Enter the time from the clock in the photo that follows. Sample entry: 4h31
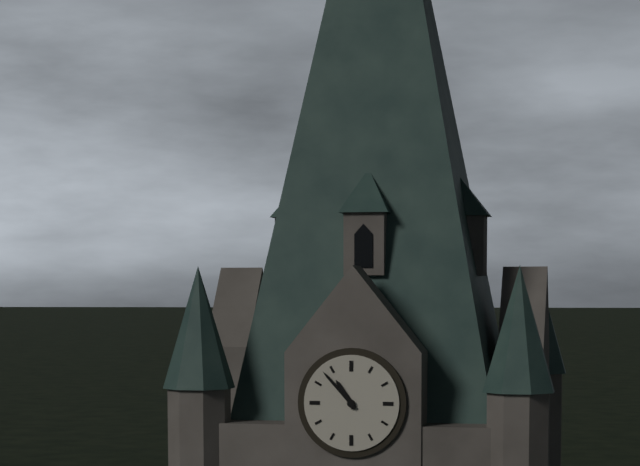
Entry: 10h53
